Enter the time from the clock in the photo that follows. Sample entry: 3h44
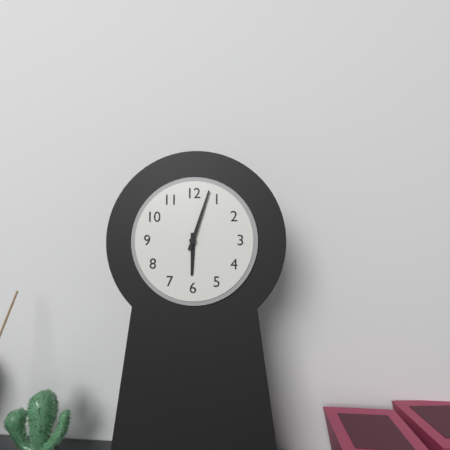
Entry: 6h03
